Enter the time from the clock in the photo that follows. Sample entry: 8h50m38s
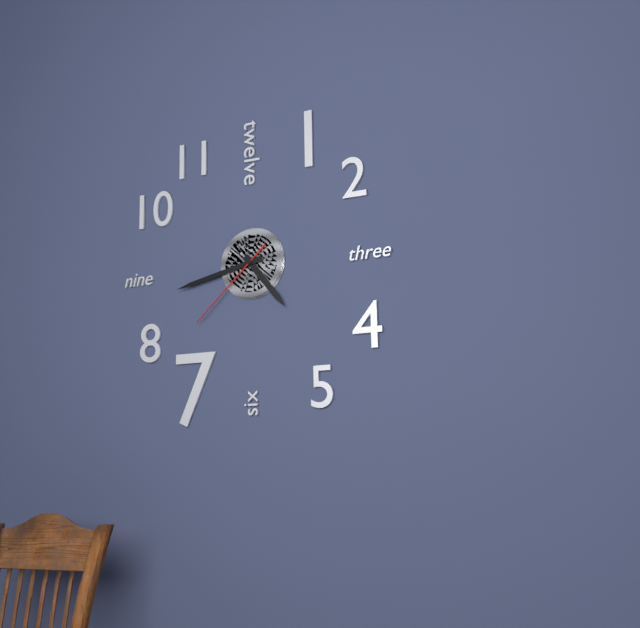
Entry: 4h43m38s
